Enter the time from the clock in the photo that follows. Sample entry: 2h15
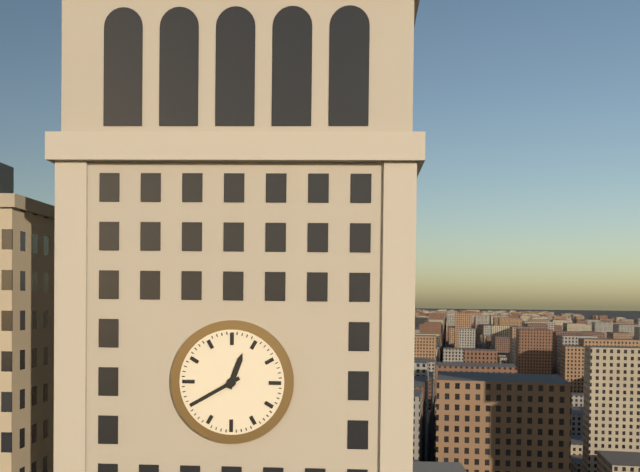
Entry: 12h40
